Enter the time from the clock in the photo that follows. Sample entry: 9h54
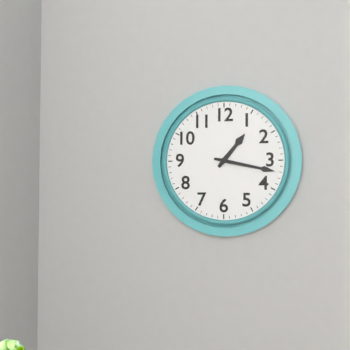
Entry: 1h17
